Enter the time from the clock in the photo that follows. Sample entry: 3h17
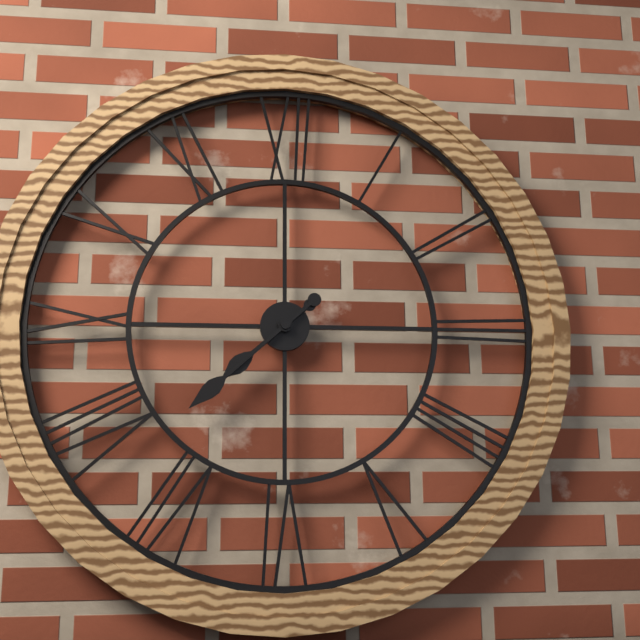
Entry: 7h38
